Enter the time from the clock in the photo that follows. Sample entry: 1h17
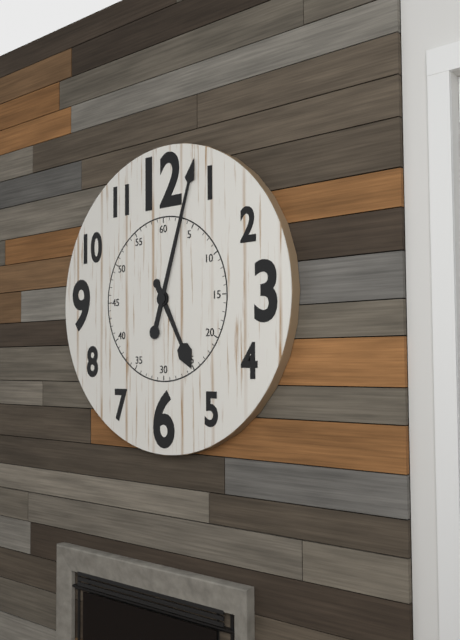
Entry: 5h03
